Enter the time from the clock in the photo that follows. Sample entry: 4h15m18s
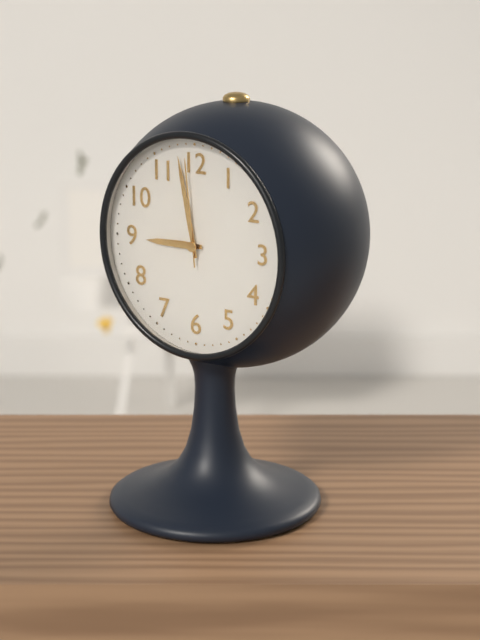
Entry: 8h58m59s
